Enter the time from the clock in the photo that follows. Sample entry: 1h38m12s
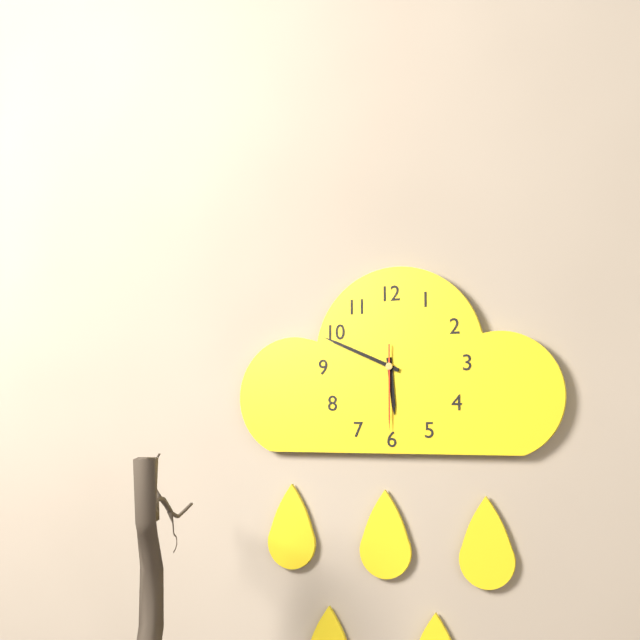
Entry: 5h49m30s
